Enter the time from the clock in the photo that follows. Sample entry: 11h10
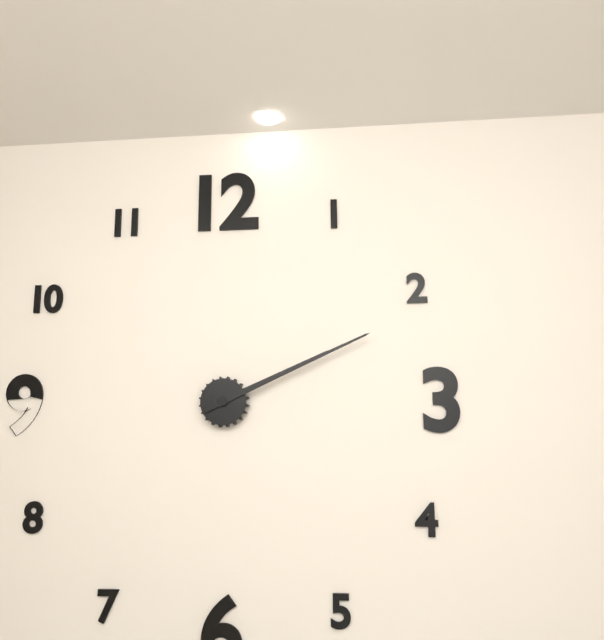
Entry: 2h11
